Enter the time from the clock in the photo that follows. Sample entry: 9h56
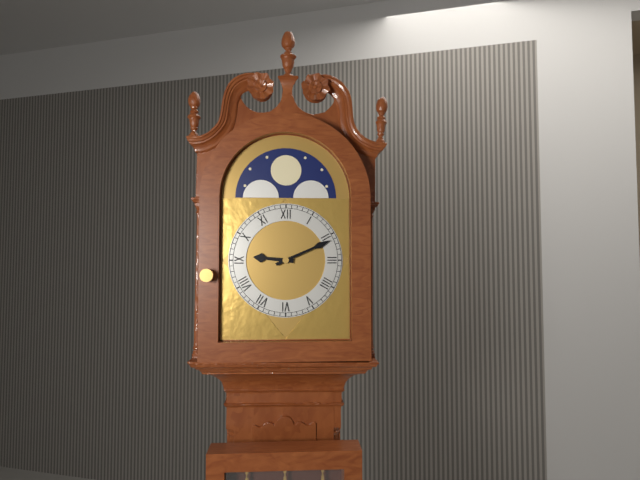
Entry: 9h11
